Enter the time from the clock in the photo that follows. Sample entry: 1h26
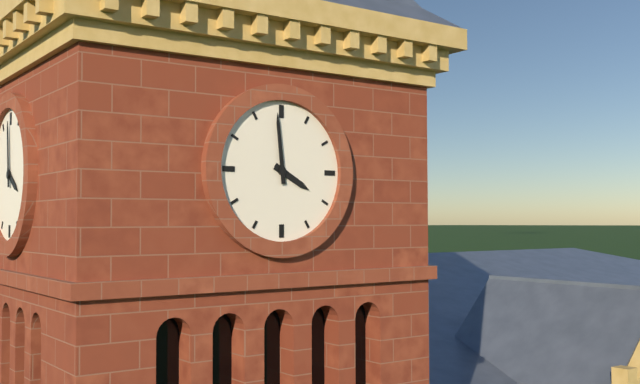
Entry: 3h59
